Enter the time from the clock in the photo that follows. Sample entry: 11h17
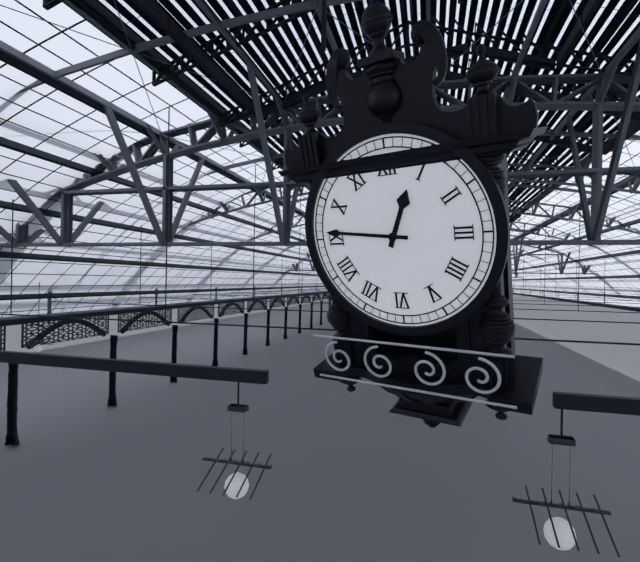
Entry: 12h46
